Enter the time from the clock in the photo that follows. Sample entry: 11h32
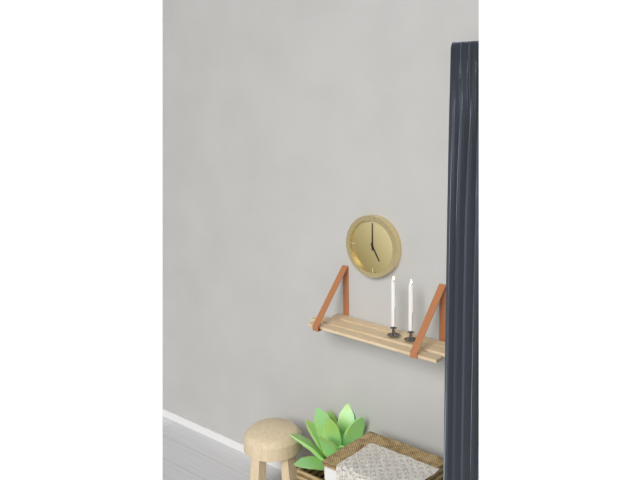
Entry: 5h00
